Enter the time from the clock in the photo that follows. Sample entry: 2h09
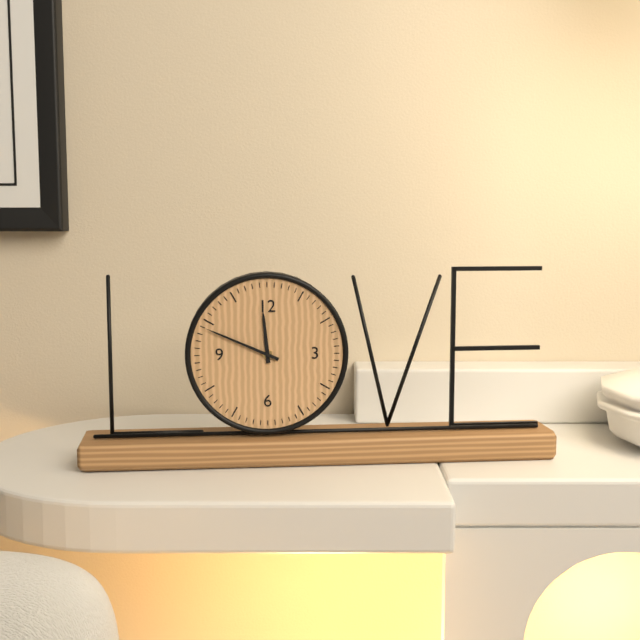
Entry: 11h49
